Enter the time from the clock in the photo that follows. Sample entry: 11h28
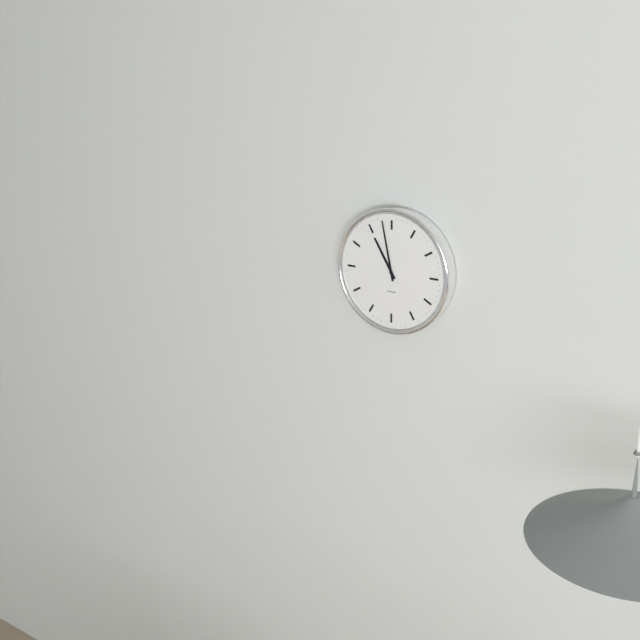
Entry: 10h58
